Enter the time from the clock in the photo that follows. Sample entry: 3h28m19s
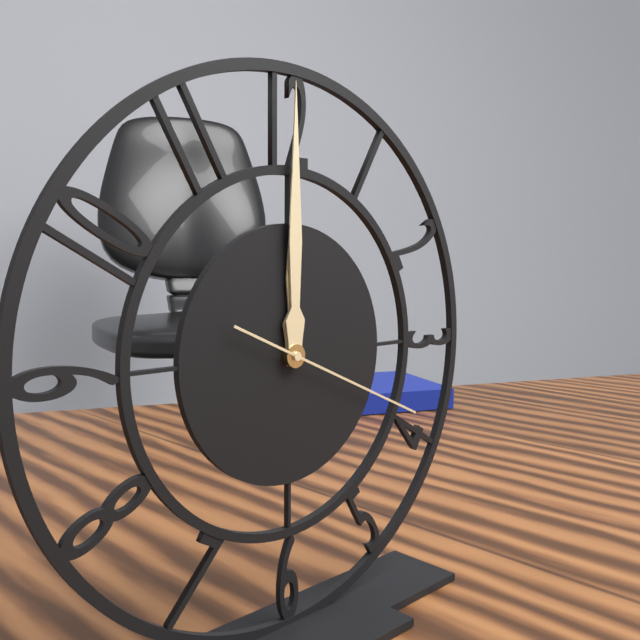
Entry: 12h00m19s
